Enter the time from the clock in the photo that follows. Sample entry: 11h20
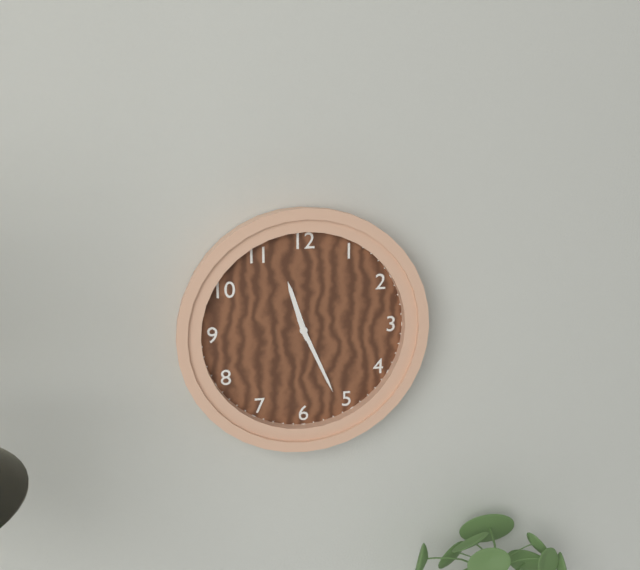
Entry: 11h26
